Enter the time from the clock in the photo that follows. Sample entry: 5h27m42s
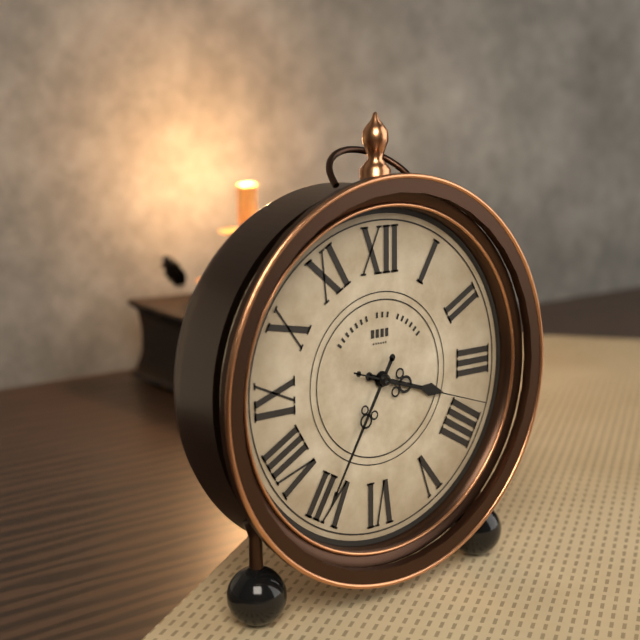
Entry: 3h35m18s
